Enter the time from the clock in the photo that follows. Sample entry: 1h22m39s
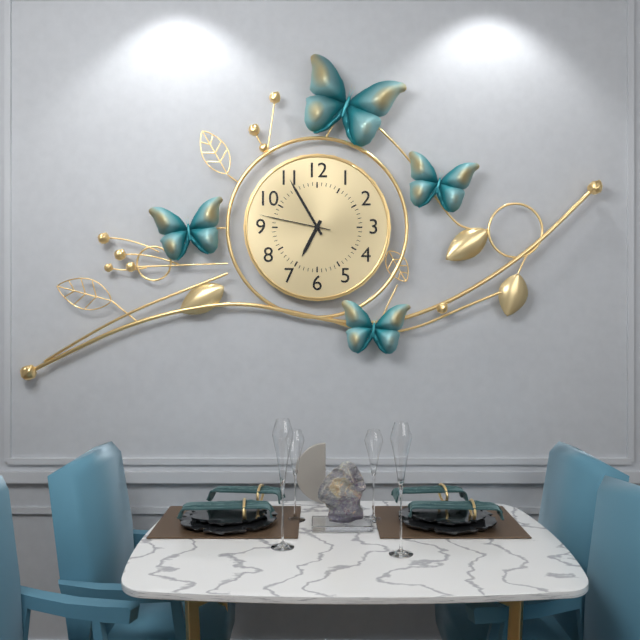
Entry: 6h55m47s
